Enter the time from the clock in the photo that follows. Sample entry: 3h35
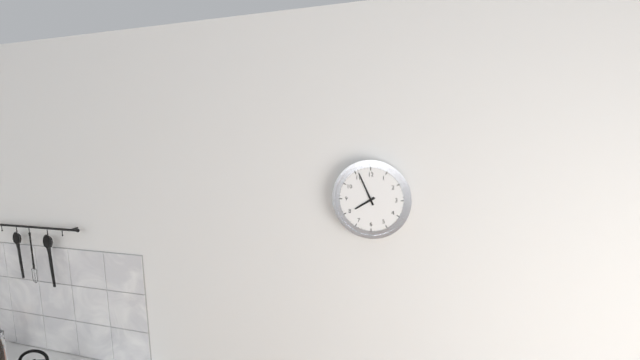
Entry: 7h56
